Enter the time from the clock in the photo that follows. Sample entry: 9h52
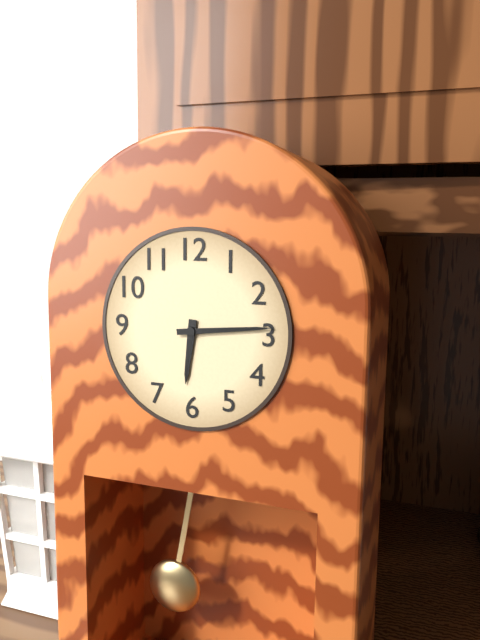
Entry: 6h14
